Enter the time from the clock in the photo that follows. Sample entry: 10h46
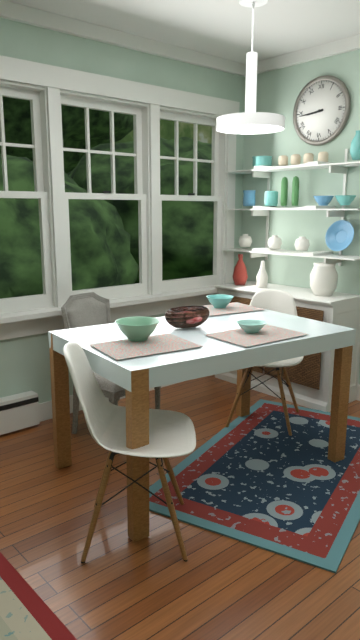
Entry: 8h44
